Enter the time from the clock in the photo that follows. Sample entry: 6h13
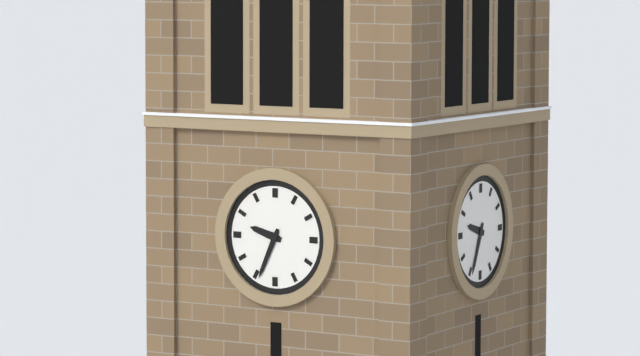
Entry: 9h34
